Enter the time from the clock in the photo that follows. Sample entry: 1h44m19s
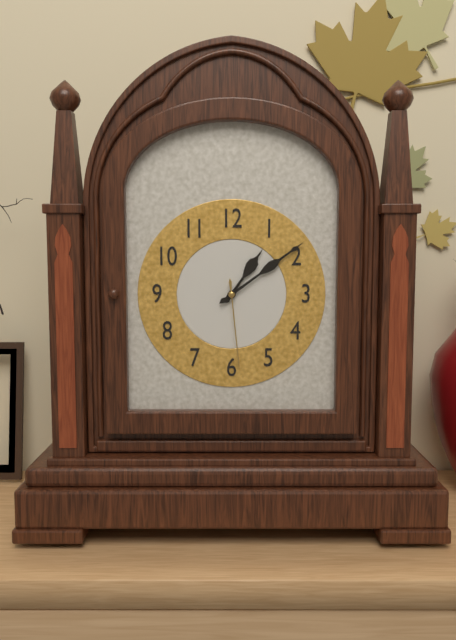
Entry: 1h09m29s
